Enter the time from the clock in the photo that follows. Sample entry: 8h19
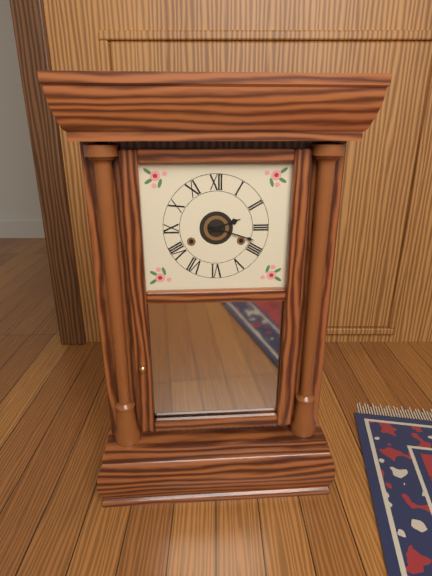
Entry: 2h18
